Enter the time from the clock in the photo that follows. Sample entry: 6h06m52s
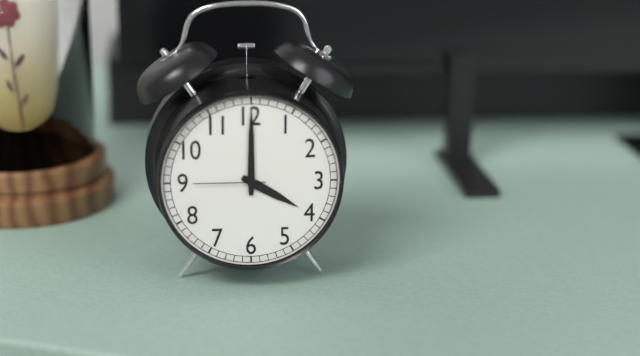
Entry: 4h00m45s
